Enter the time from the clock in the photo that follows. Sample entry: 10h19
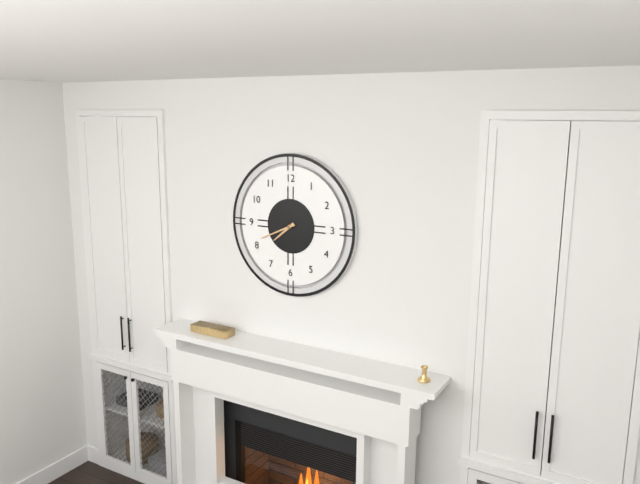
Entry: 7h41
